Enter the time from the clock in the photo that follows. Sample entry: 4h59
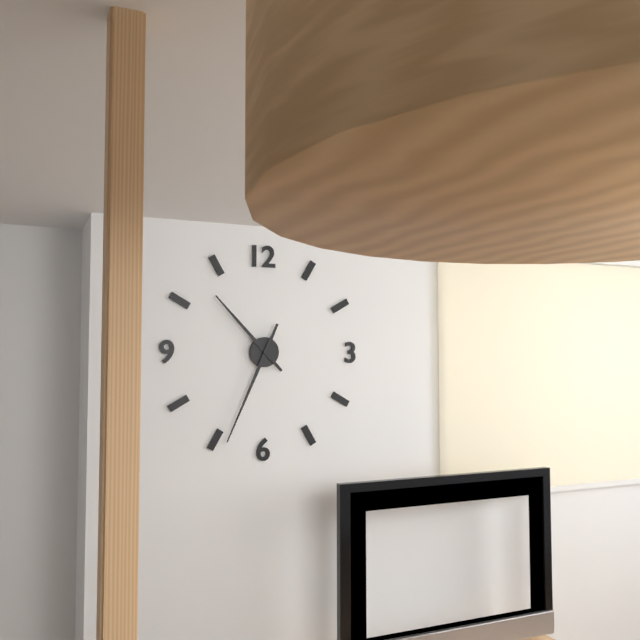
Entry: 10h34
